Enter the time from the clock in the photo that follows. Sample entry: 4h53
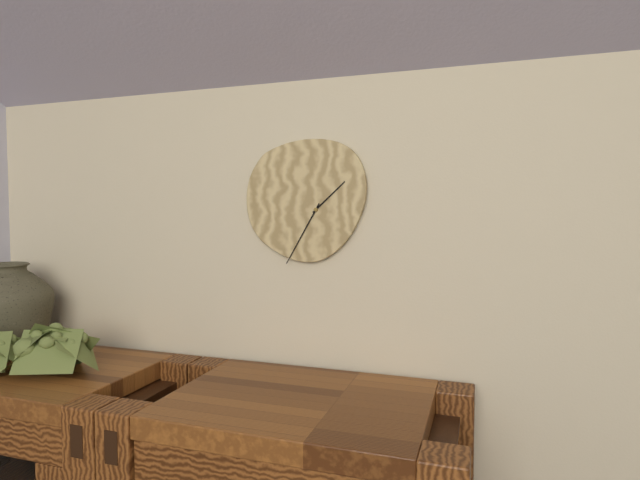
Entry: 1h35
